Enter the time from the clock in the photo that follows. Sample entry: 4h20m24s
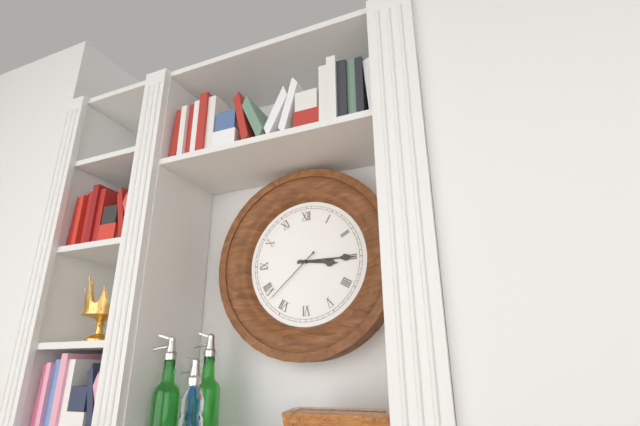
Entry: 3h15m38s
